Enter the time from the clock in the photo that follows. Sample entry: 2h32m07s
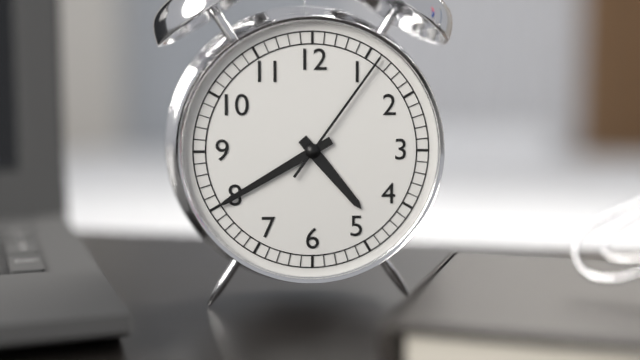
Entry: 4h40m06s
